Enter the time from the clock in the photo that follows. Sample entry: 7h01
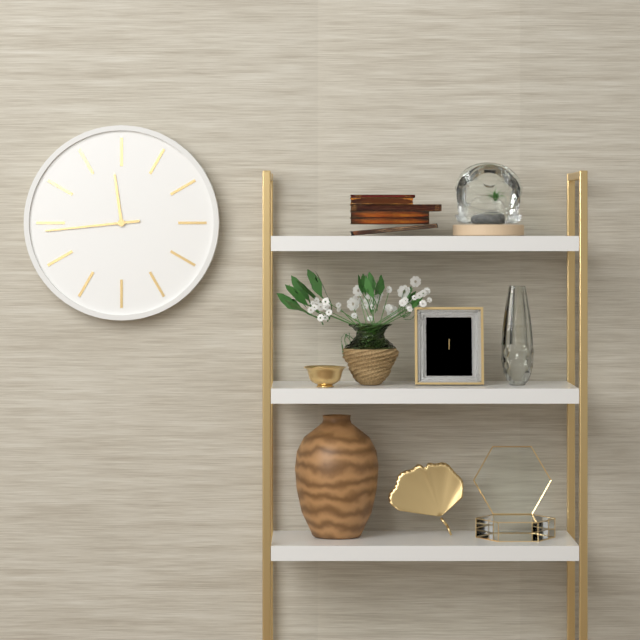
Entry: 11h44
